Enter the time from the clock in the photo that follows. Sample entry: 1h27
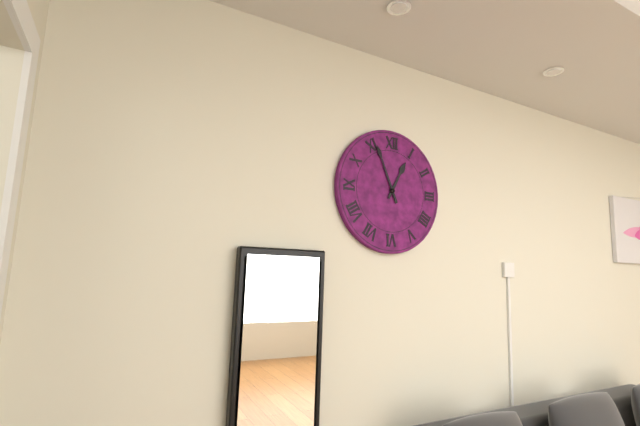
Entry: 12h56
